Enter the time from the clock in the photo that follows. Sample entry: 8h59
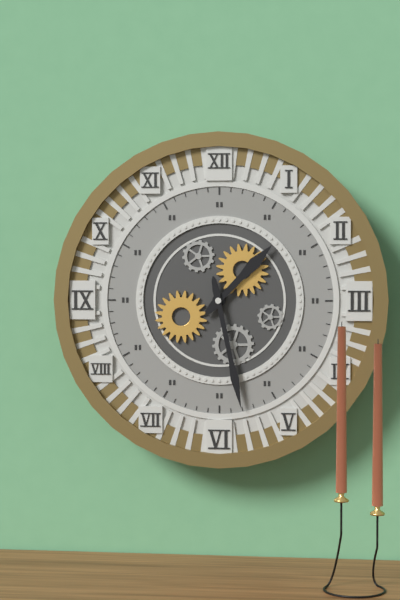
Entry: 1h28
